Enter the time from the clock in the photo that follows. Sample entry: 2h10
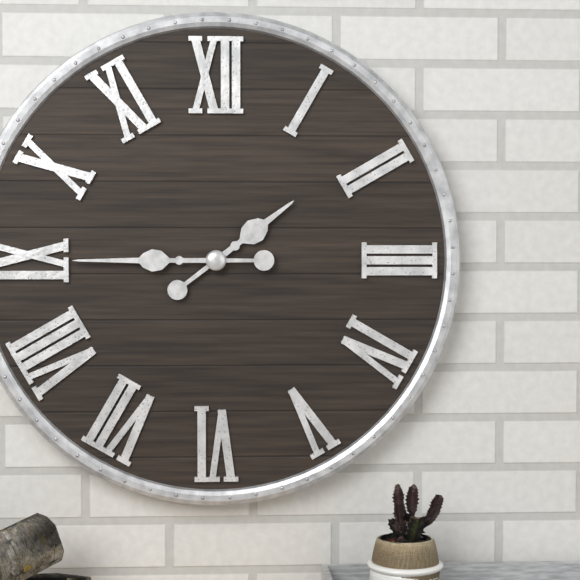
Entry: 1h45
